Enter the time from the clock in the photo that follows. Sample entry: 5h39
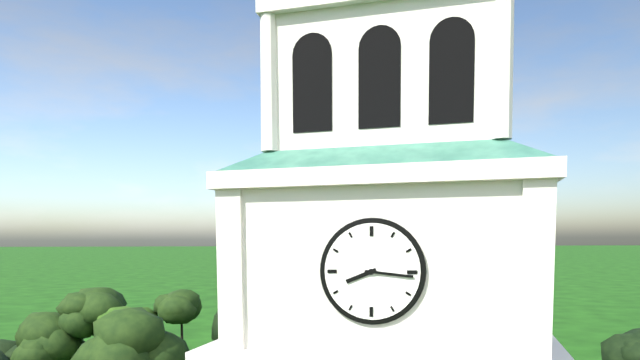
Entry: 8h16
